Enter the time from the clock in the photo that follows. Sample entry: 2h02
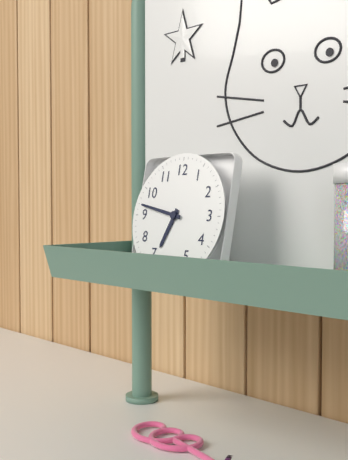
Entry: 6h47
